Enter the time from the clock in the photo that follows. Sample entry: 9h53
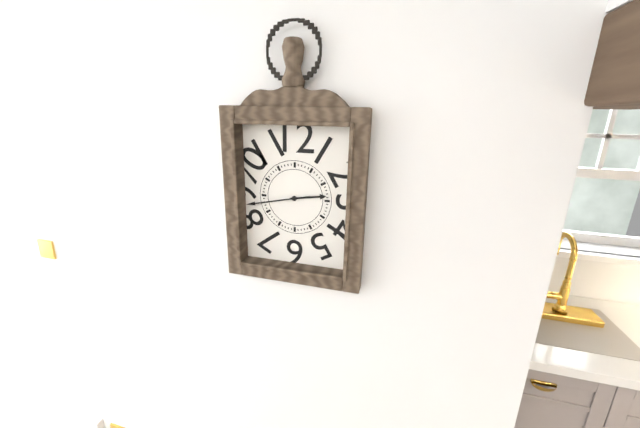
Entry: 2h43
